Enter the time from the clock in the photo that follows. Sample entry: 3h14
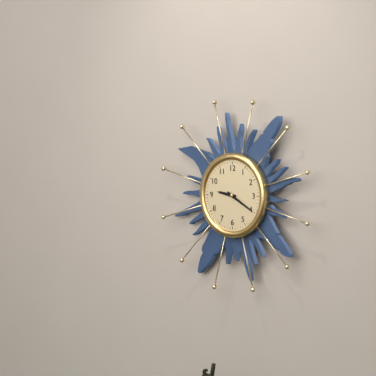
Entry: 9h20
